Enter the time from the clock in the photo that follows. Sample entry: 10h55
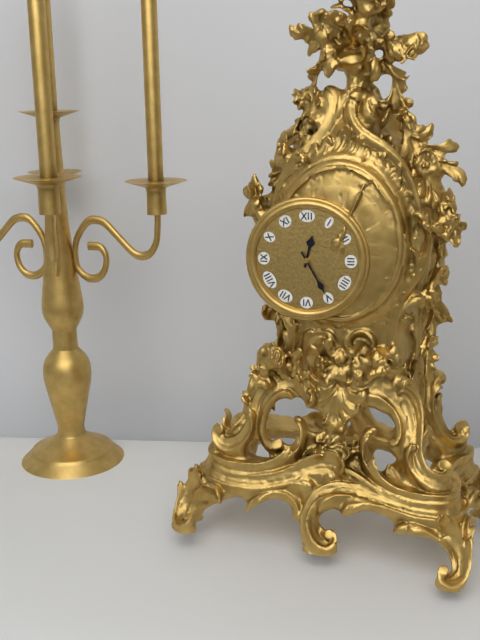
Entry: 12h25
